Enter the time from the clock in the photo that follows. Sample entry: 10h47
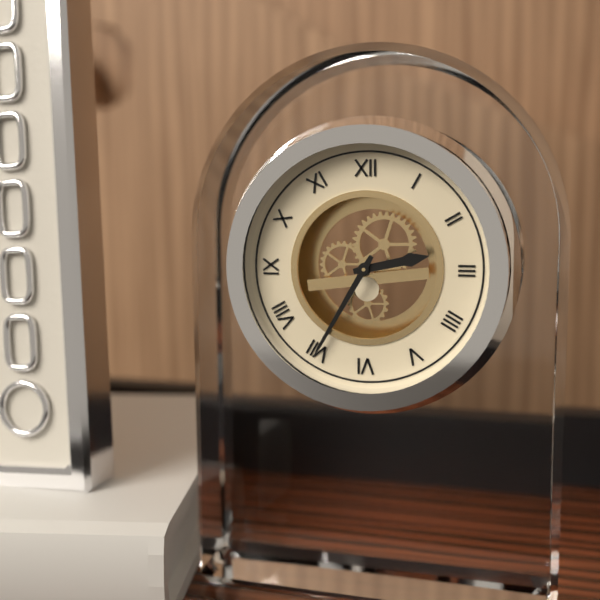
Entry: 2h35
